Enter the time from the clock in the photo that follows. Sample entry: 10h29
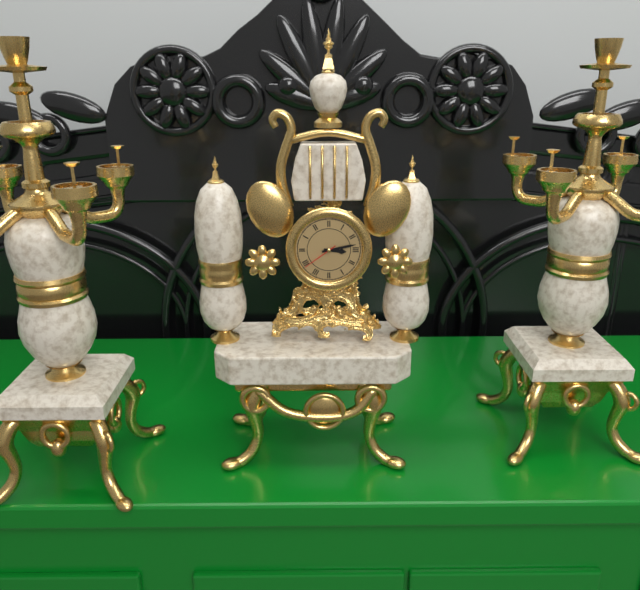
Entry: 3h13
